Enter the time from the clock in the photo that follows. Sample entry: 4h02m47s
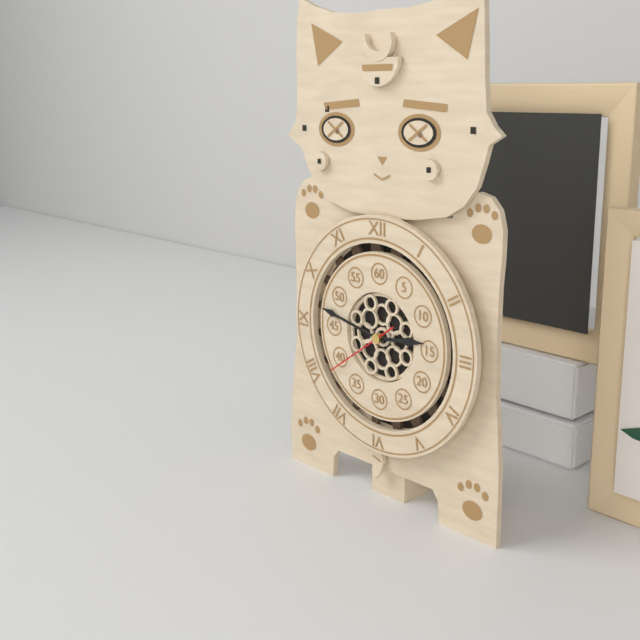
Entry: 2h47m39s
